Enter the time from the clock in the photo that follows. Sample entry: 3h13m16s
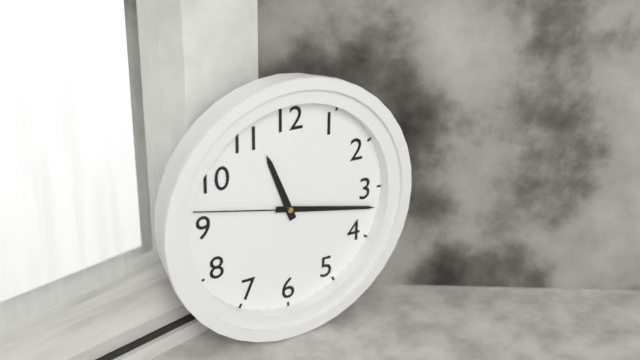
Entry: 11h17m47s
